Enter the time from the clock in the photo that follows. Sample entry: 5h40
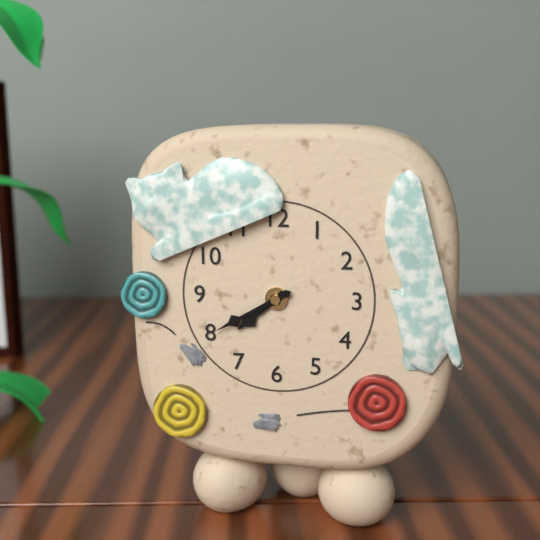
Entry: 7h40
